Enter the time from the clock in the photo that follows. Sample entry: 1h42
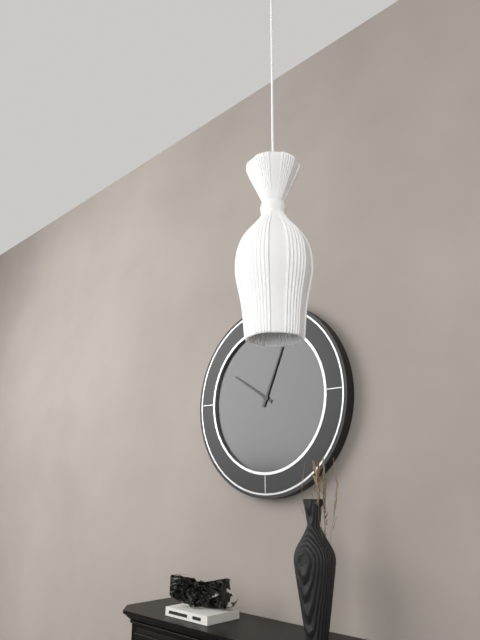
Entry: 10h04
